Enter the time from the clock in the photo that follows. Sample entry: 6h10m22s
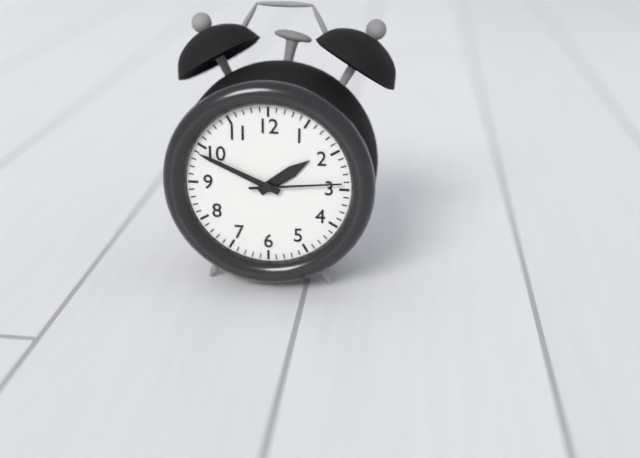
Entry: 1h49m14s
